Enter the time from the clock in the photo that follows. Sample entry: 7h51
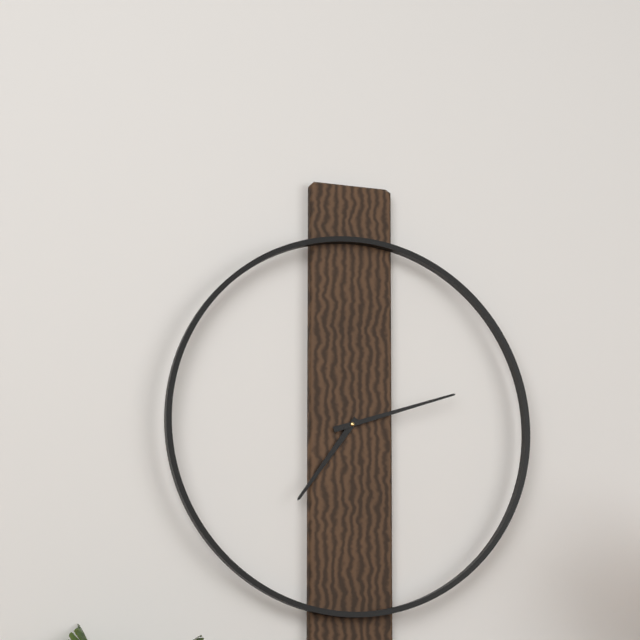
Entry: 7h12
